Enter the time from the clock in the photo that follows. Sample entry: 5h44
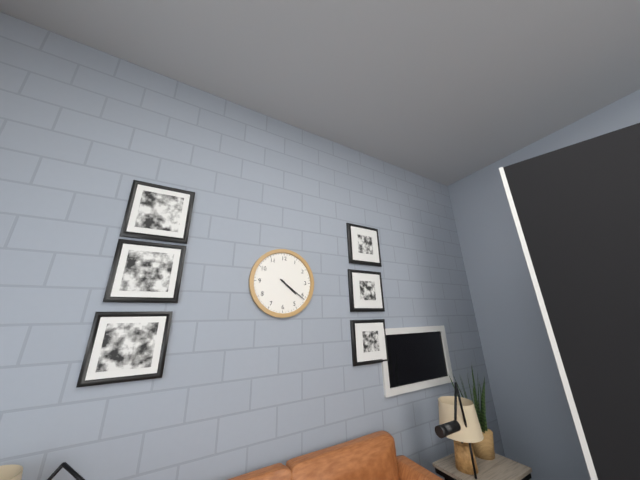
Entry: 4h21
